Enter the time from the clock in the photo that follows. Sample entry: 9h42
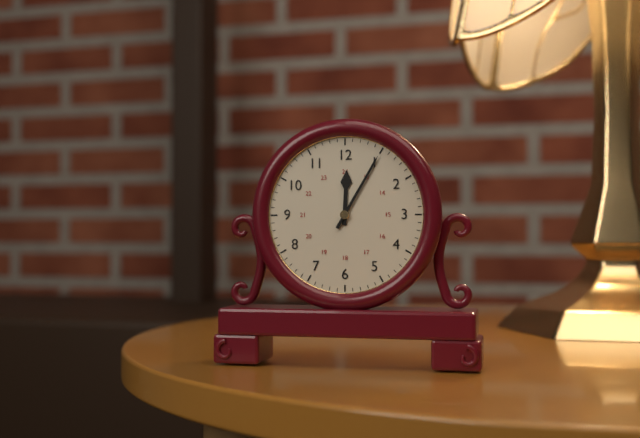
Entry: 12h05
